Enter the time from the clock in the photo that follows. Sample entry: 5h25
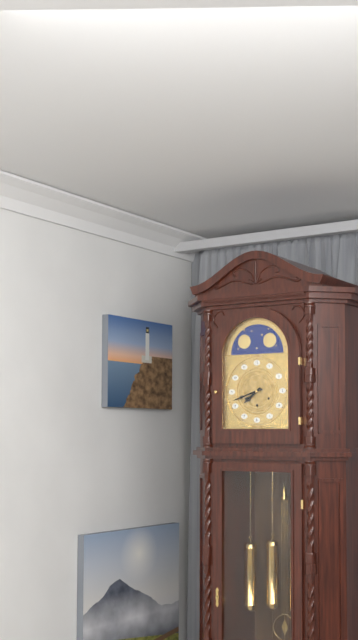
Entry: 7h42
